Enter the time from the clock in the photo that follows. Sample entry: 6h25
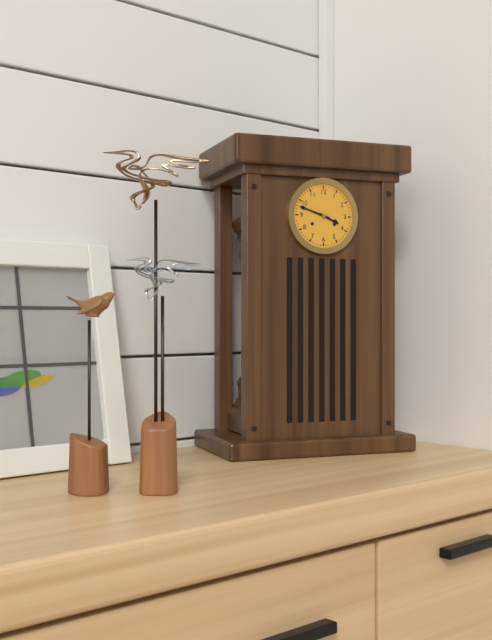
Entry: 3h48
